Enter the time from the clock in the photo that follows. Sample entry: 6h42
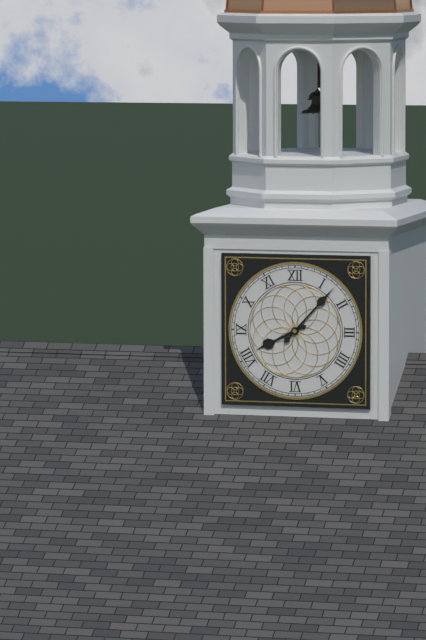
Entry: 8h07
